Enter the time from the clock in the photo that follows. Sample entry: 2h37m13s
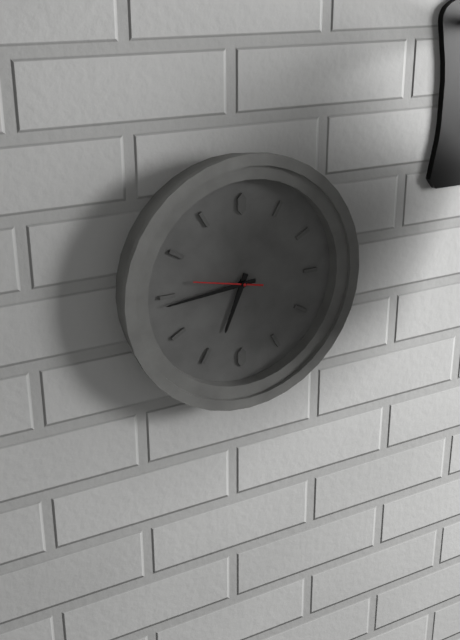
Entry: 6h44m47s
